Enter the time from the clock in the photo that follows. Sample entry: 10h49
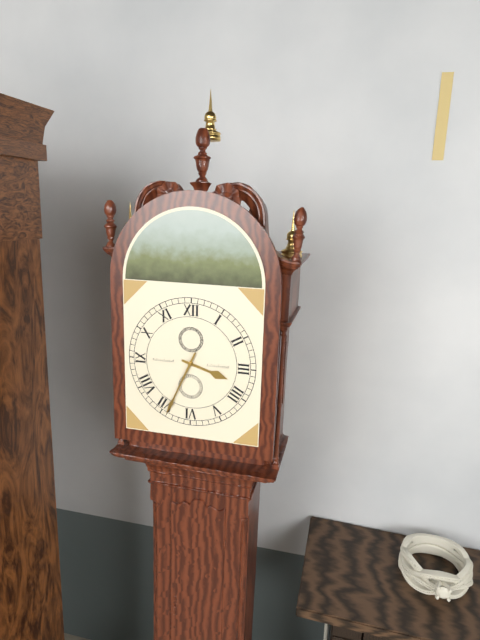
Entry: 3h34
